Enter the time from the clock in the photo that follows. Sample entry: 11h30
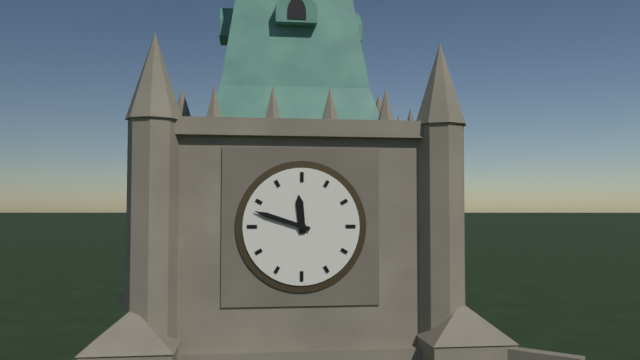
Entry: 11h48
